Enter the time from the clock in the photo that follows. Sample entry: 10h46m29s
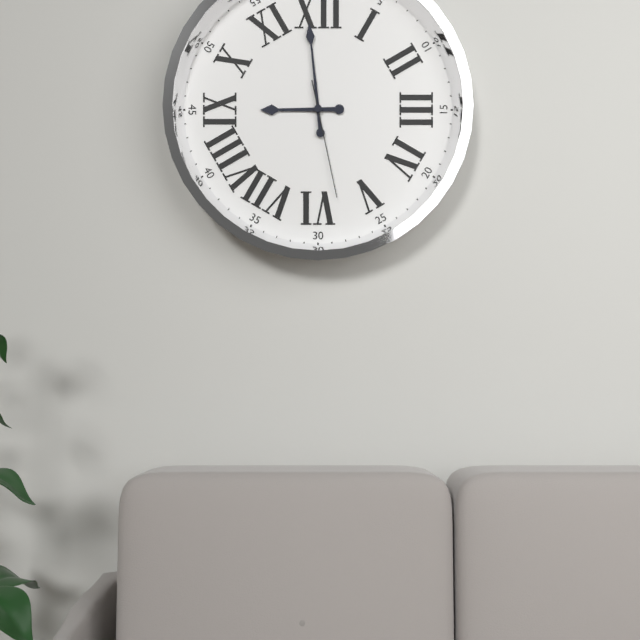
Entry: 8h59m28s
